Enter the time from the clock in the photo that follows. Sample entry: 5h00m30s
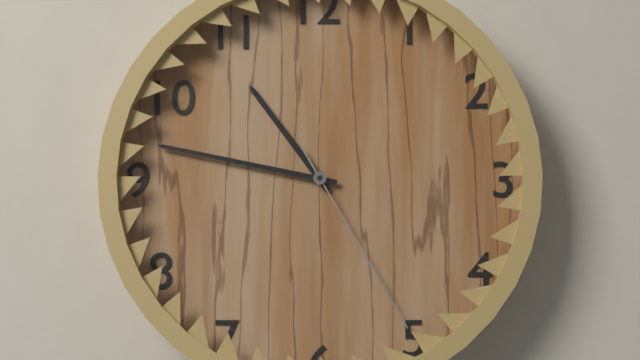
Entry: 10h47m25s
